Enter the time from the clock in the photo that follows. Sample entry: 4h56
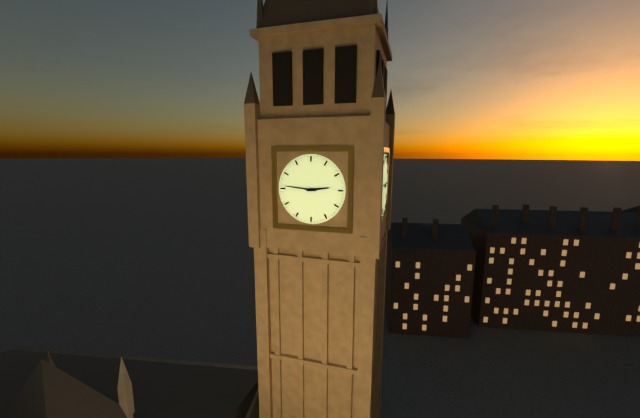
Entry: 2h46
